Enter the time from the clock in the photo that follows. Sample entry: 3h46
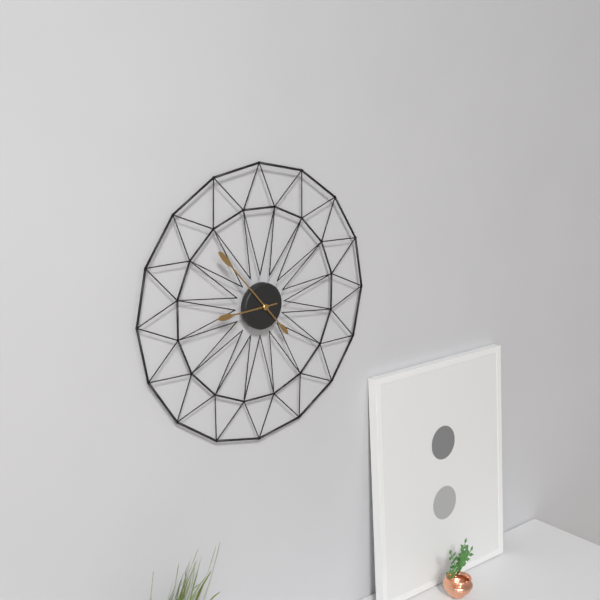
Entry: 8h53
